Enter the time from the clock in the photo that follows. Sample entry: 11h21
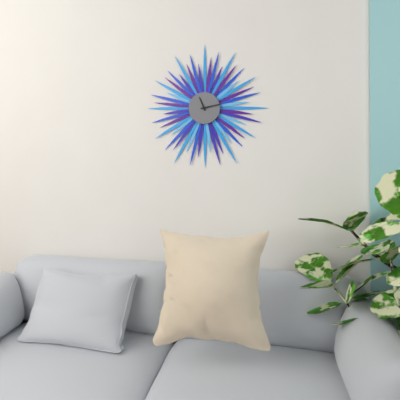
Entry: 11h13
